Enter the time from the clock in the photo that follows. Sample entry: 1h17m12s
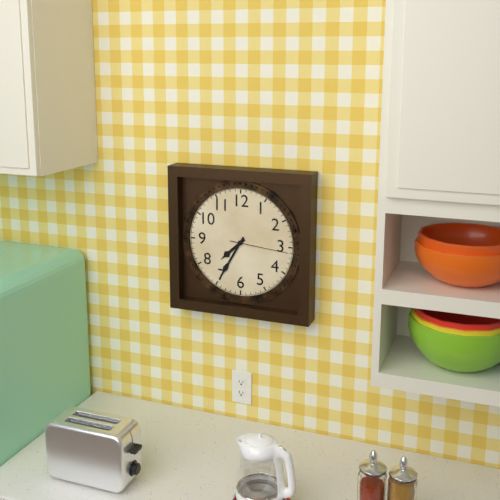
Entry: 7h35m16s
